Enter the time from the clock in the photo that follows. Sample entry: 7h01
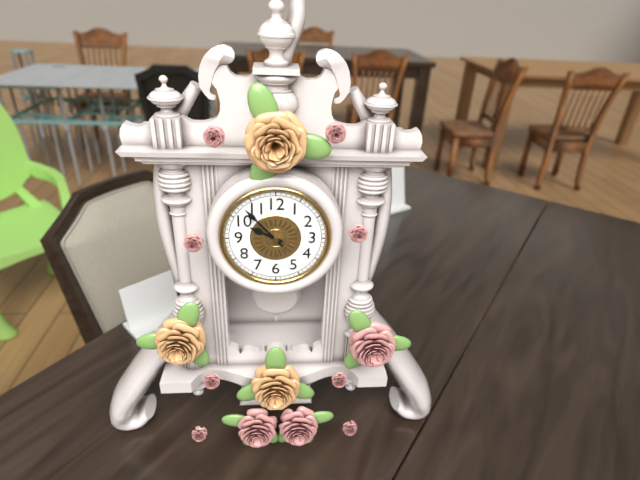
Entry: 9h53
